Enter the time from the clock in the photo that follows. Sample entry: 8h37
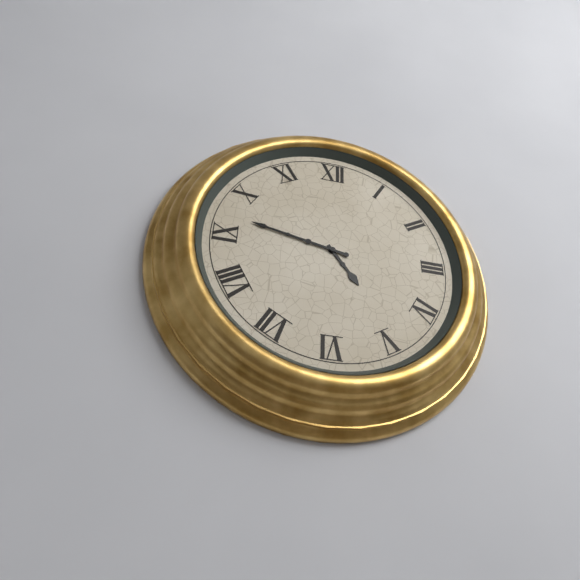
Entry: 4h47
